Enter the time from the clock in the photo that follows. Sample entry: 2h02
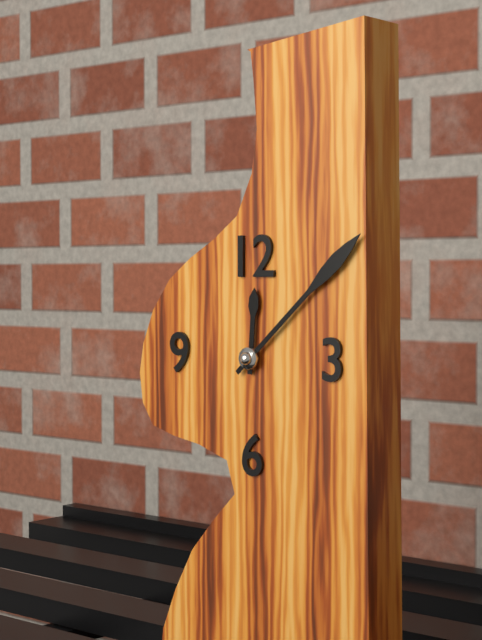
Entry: 12h08
